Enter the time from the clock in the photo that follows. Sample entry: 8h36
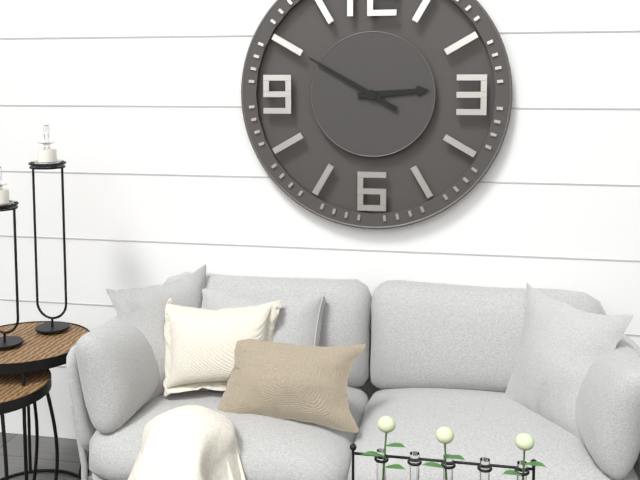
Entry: 2h50
